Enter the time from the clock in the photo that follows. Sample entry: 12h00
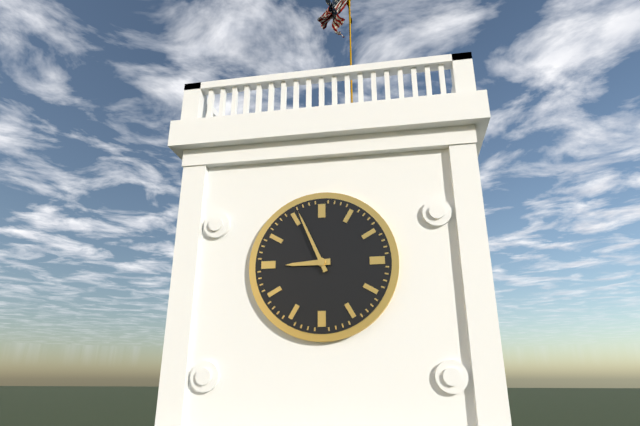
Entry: 8h56
